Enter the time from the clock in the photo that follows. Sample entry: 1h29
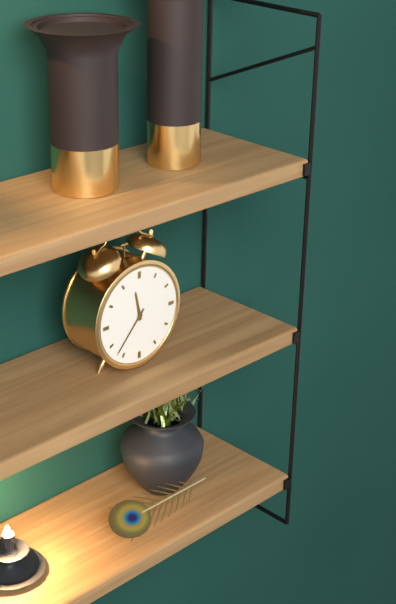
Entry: 11h37
